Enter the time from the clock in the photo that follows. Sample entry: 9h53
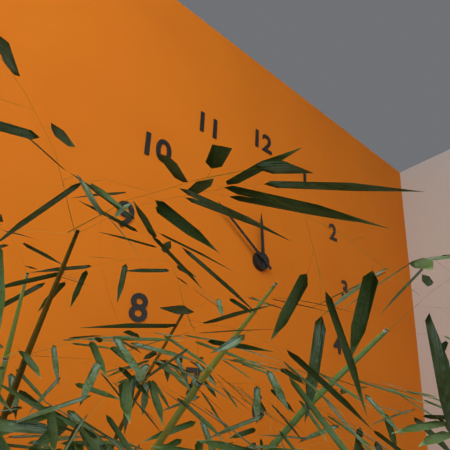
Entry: 11h51
